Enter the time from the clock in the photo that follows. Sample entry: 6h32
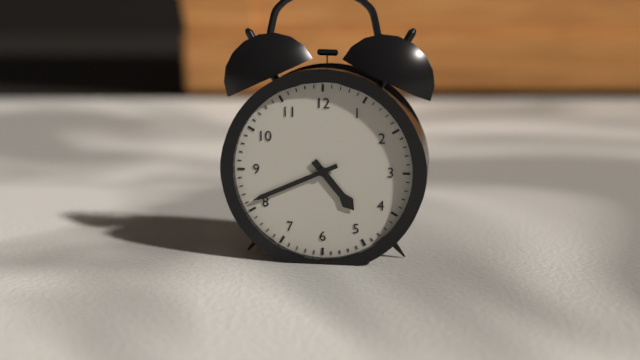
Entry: 4h41
